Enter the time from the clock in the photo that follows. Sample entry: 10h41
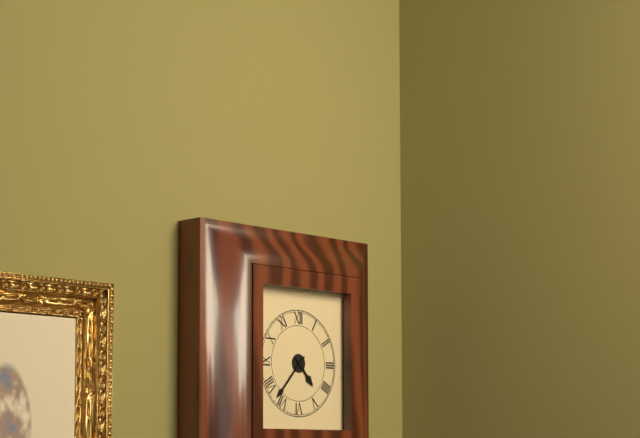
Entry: 4h37
